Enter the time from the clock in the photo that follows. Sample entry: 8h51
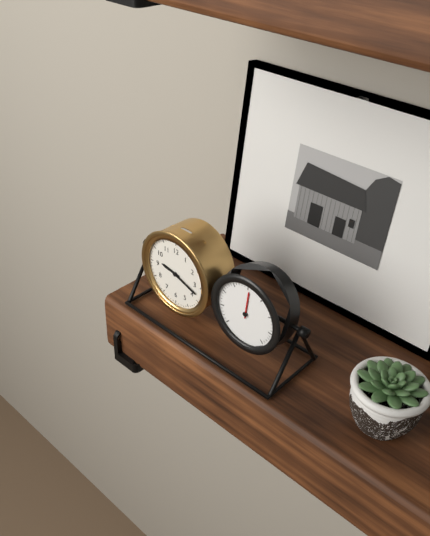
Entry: 9h18
